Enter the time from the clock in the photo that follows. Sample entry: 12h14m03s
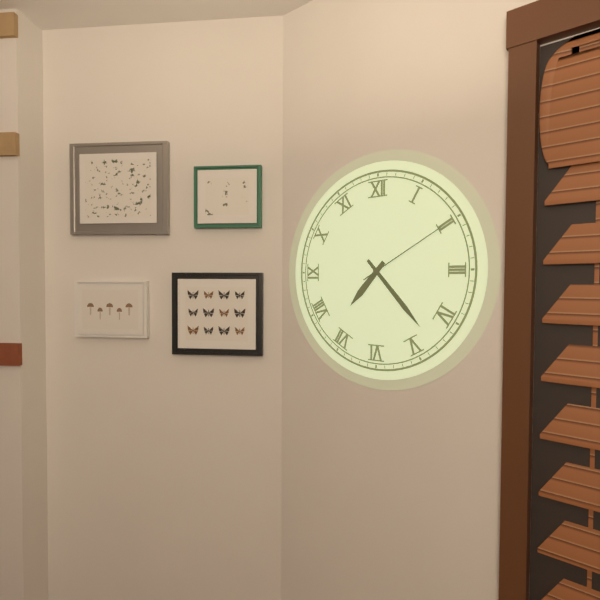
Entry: 7h23m10s
